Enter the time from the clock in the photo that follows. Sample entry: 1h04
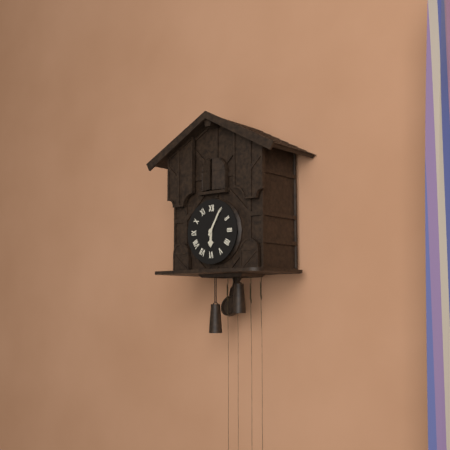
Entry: 6h05
